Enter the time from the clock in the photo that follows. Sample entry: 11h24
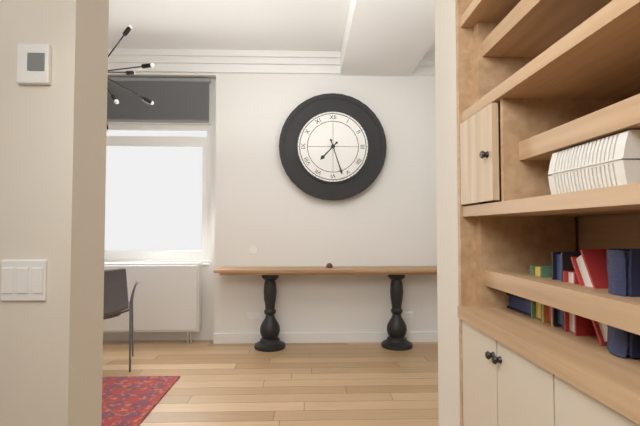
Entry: 7h27
